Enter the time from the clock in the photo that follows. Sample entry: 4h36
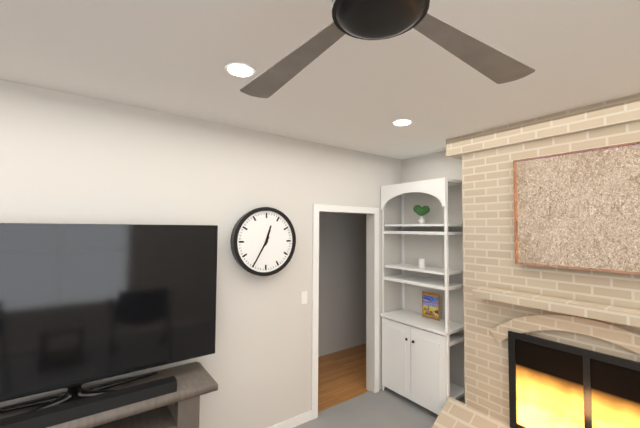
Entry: 12h35
